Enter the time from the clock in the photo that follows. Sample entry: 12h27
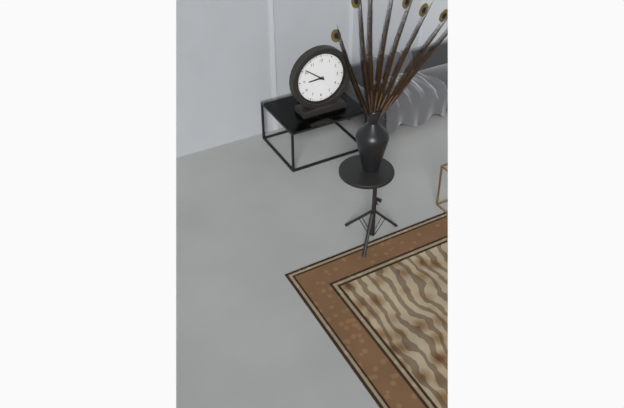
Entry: 8h51
